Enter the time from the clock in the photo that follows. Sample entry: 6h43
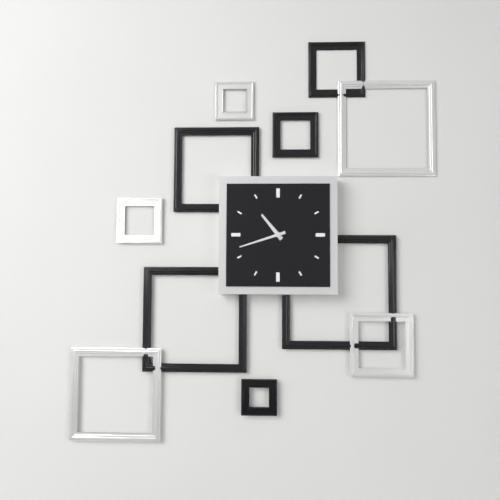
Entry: 10h42
